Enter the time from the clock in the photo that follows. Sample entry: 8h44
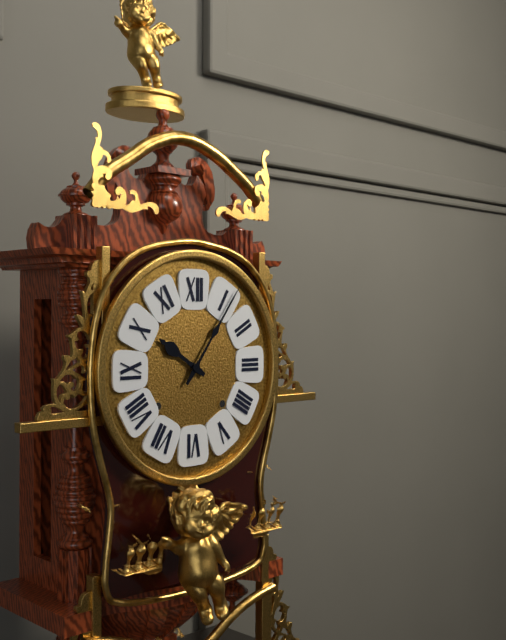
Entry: 10h06
